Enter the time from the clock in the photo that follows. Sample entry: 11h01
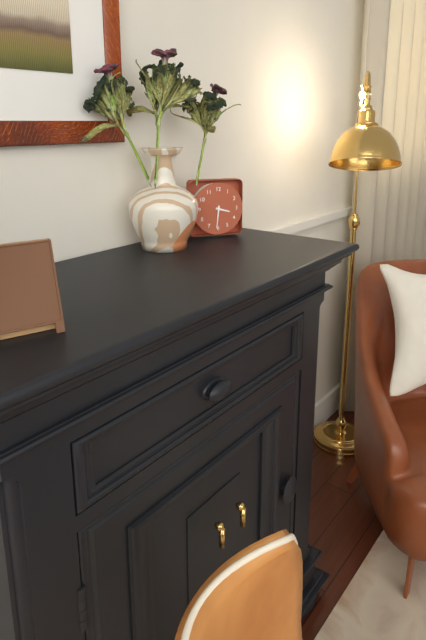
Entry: 3h31
